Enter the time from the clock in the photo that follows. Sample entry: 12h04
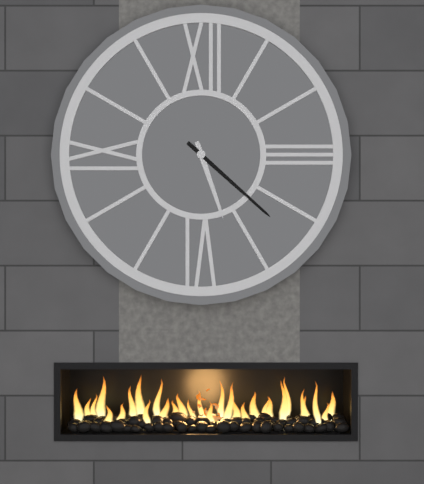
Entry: 5h22
